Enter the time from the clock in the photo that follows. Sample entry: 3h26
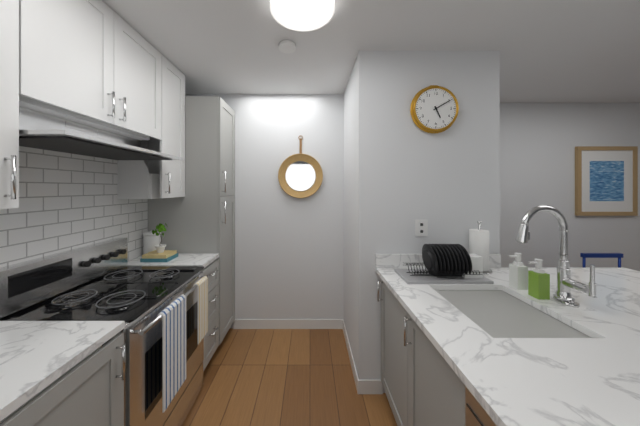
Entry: 5h10
